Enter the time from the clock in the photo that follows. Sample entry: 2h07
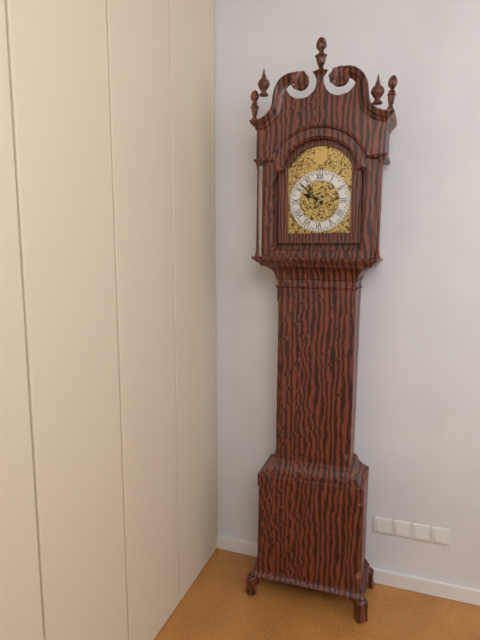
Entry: 9h52
